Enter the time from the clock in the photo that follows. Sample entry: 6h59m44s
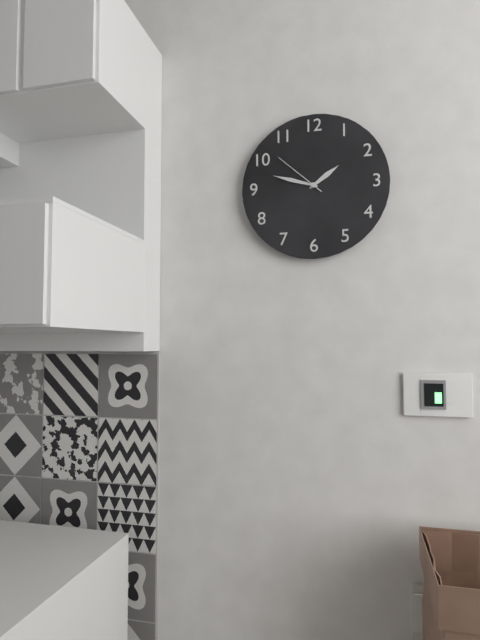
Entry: 1h48m52s
